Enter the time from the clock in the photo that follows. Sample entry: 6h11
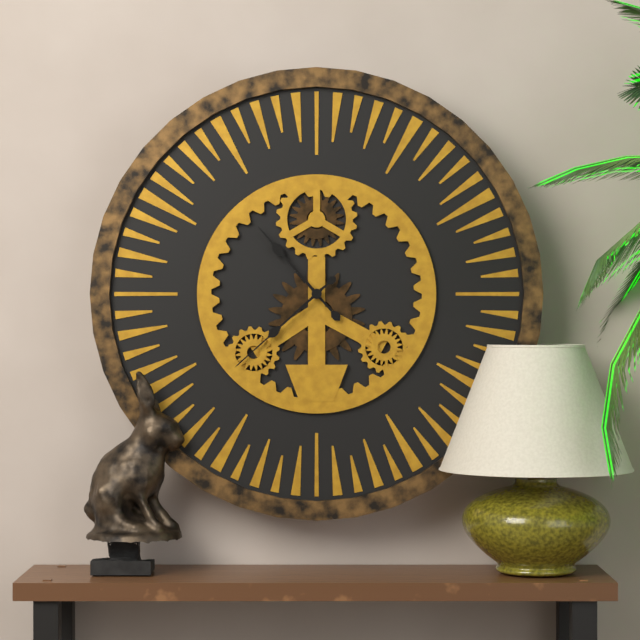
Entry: 10h38
